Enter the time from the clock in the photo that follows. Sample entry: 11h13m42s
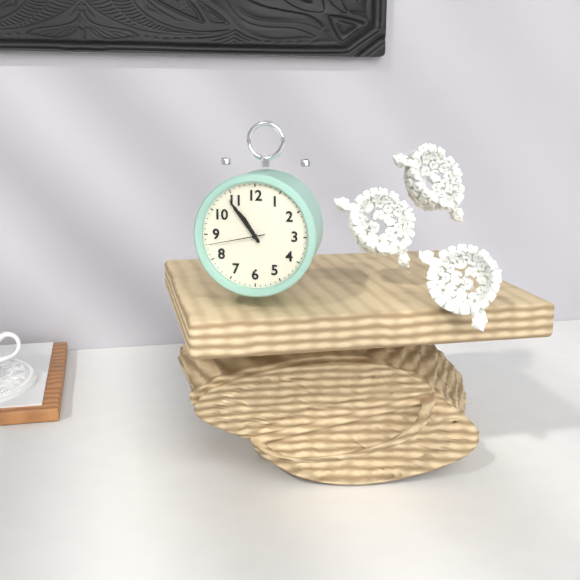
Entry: 10h54m43s
